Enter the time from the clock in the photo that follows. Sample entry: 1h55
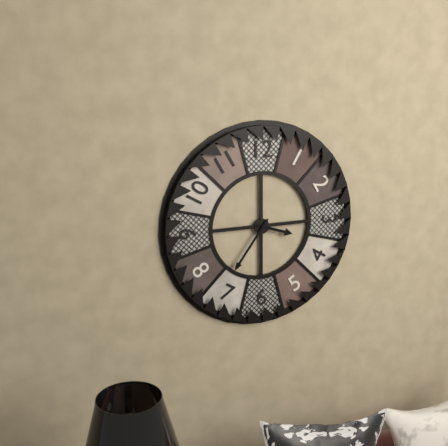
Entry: 3h36
